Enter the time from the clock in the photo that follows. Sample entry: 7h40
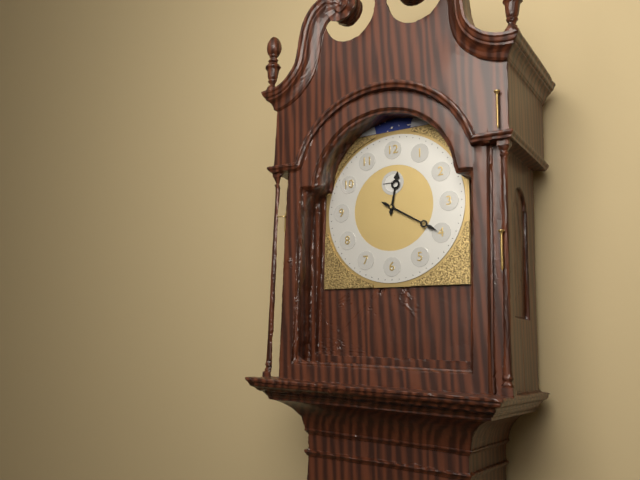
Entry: 12h20
